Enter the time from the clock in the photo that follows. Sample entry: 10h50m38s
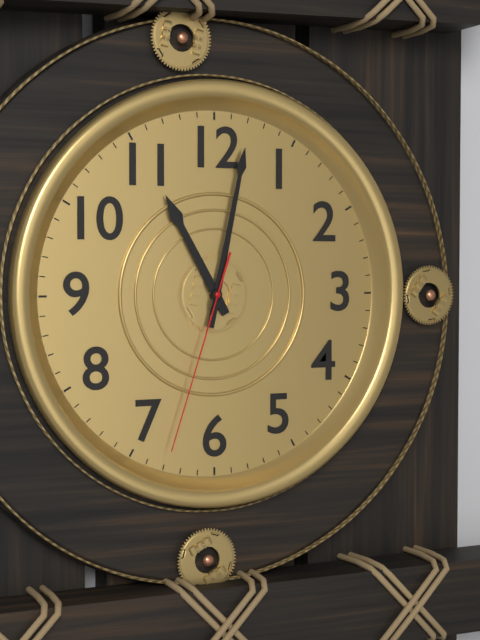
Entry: 11h02m33s
